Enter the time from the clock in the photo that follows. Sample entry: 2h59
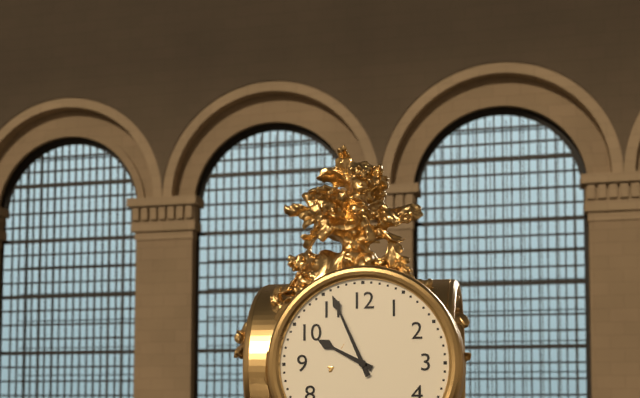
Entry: 9h56
